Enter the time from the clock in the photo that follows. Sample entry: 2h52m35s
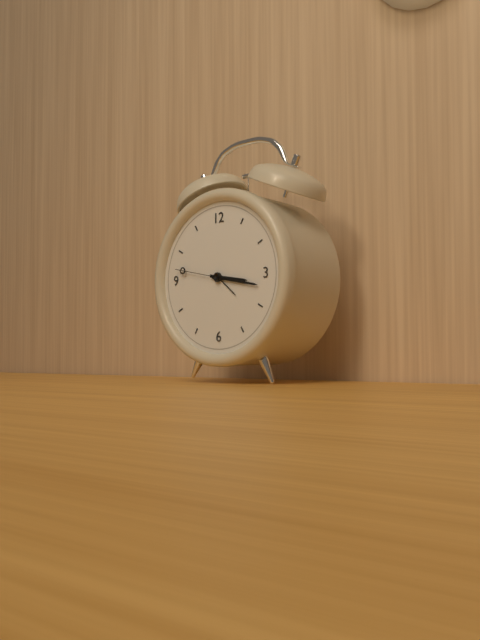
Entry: 3h17m47s
